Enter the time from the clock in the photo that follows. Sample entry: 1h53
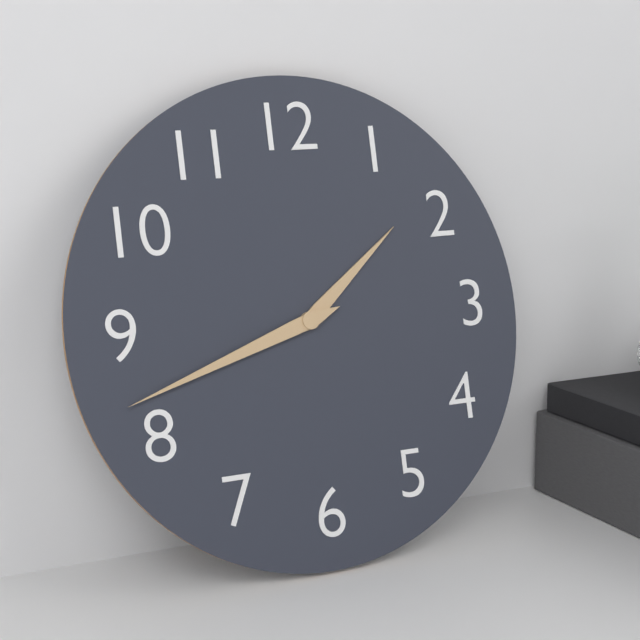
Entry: 1h42
